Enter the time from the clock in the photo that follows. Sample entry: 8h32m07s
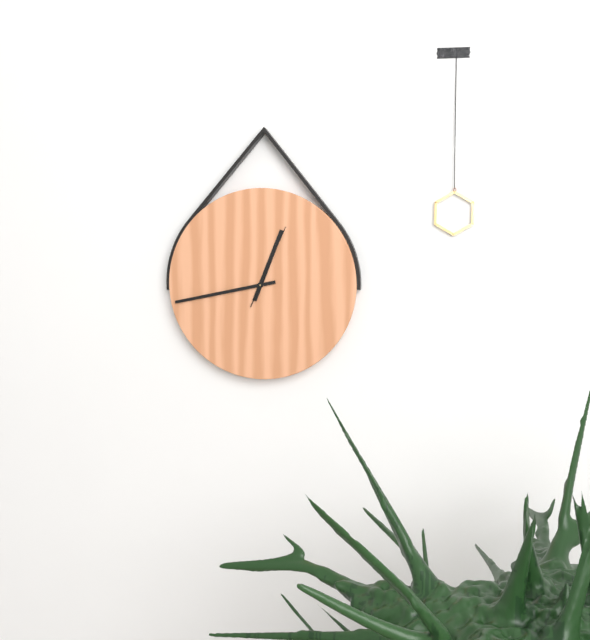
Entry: 12h43m04s
